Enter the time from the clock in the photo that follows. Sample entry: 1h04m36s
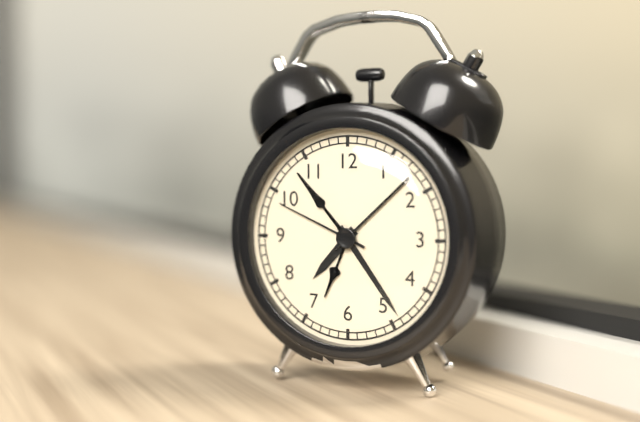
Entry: 7h24m49s
